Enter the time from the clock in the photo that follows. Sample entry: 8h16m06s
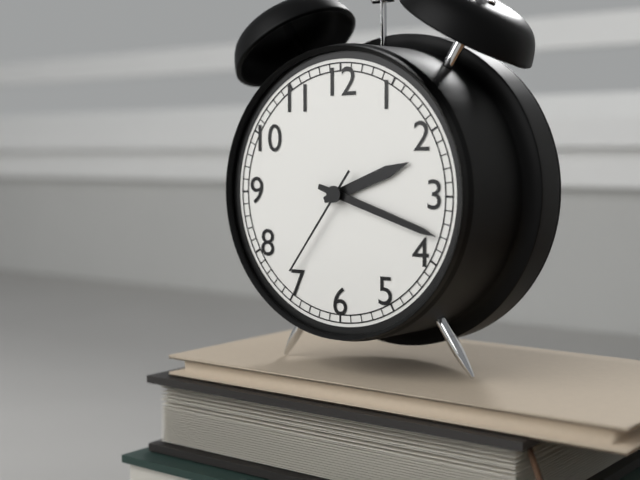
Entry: 2h18m36s
